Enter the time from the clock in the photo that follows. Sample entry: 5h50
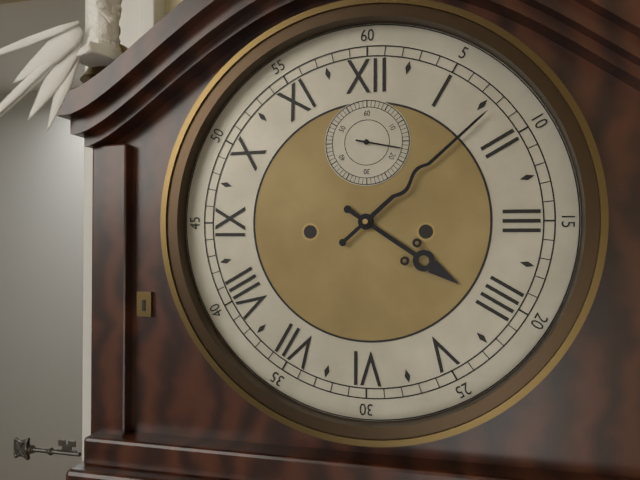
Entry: 4h08
